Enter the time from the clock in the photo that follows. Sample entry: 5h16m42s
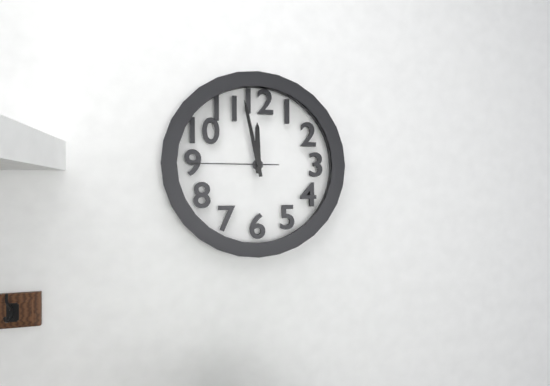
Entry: 11h58m45s
